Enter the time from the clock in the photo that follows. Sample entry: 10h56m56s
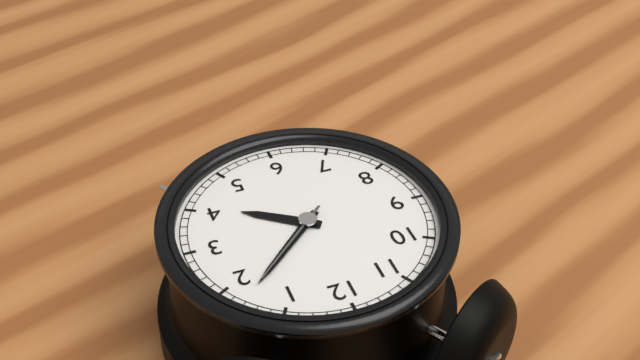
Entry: 4h08m08s
